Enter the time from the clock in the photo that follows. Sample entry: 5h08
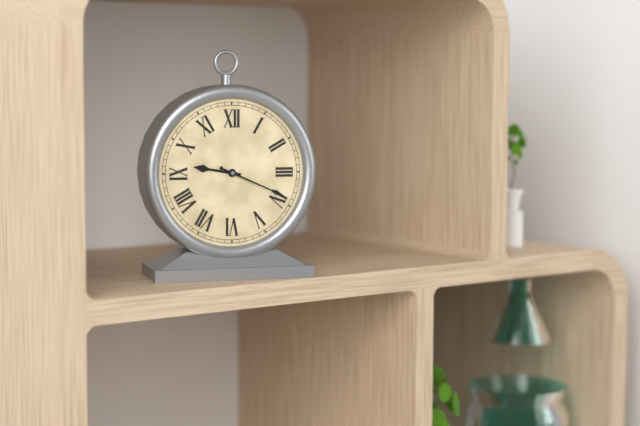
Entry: 9h19
